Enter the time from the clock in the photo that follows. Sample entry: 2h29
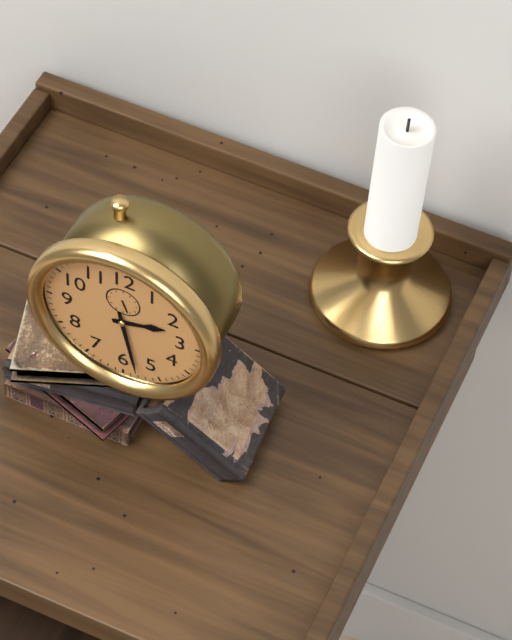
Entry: 2h28
